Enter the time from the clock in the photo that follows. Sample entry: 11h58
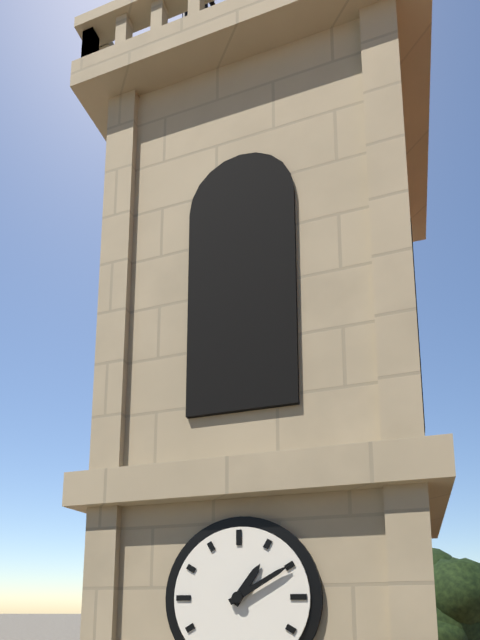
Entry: 1h10
